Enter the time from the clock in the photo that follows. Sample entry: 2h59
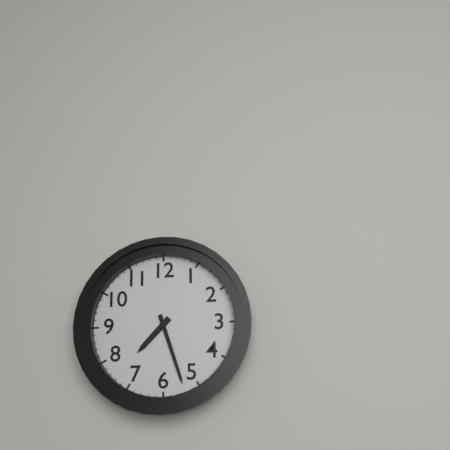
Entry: 7h27
